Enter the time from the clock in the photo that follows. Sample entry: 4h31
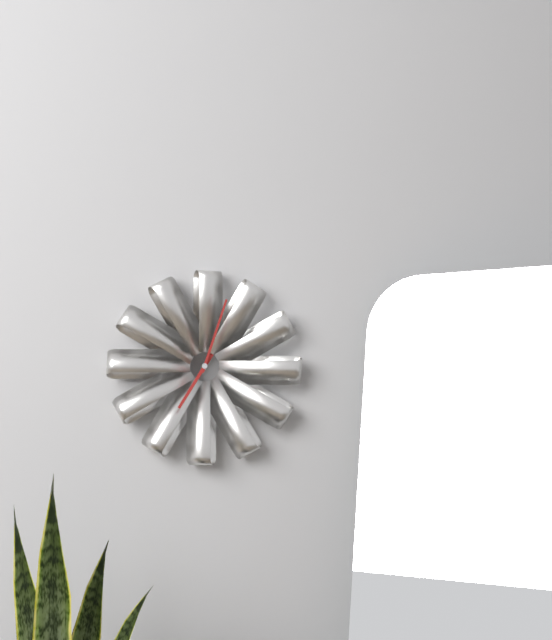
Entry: 7h03
